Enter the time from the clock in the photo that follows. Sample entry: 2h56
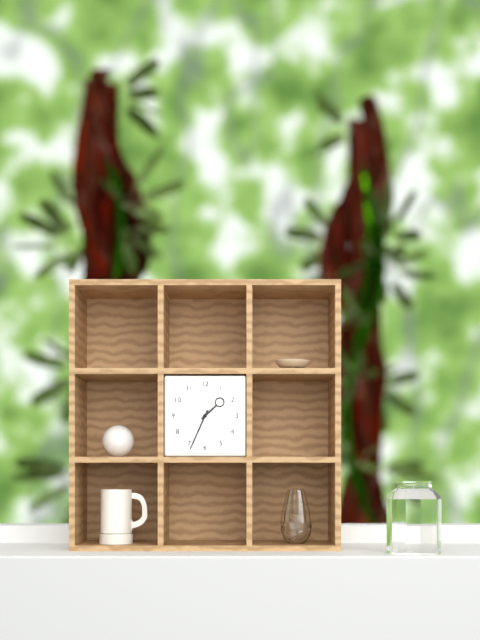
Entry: 1h34
